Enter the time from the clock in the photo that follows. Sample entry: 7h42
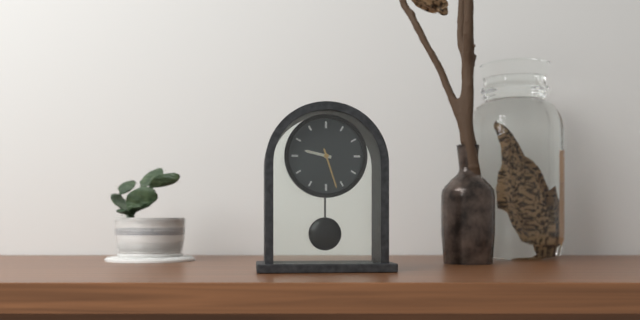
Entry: 9h27
